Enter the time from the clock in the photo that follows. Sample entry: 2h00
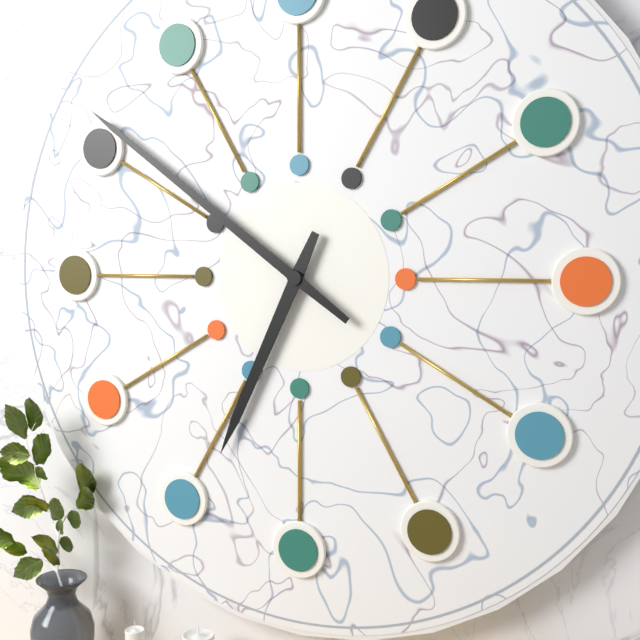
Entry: 6h51
